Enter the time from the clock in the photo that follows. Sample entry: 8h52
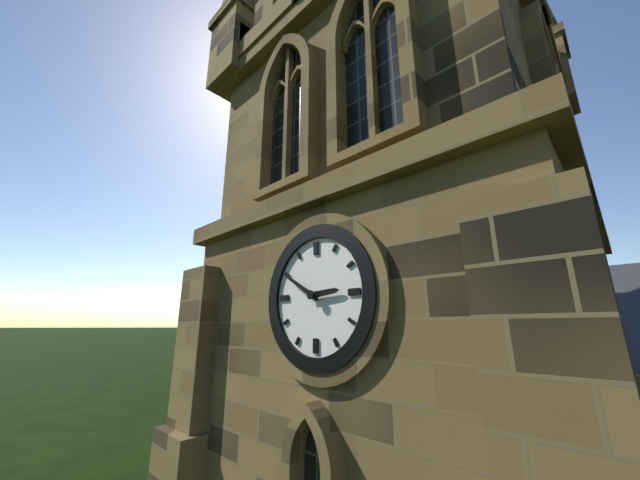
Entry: 2h50
